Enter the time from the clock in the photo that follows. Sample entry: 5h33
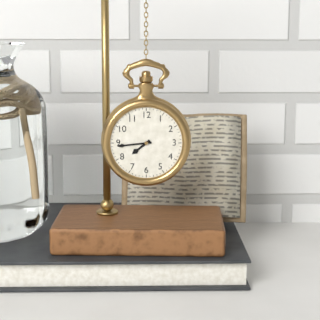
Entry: 7h44
